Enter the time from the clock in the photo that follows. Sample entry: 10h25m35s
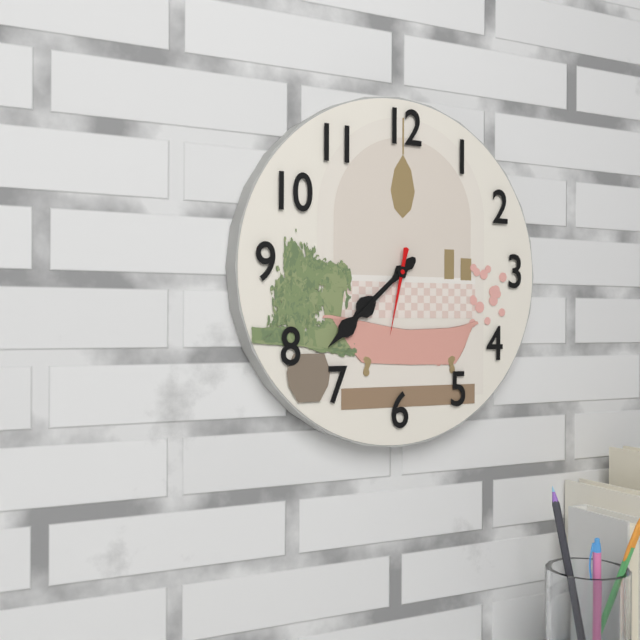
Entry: 7h38m32s
